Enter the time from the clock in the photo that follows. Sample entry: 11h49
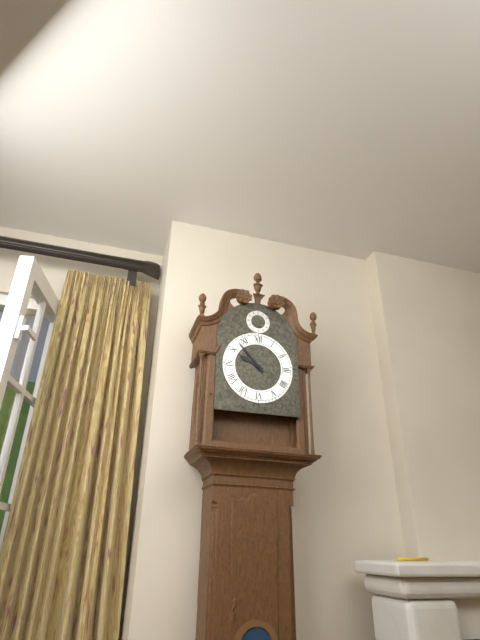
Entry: 9h53
